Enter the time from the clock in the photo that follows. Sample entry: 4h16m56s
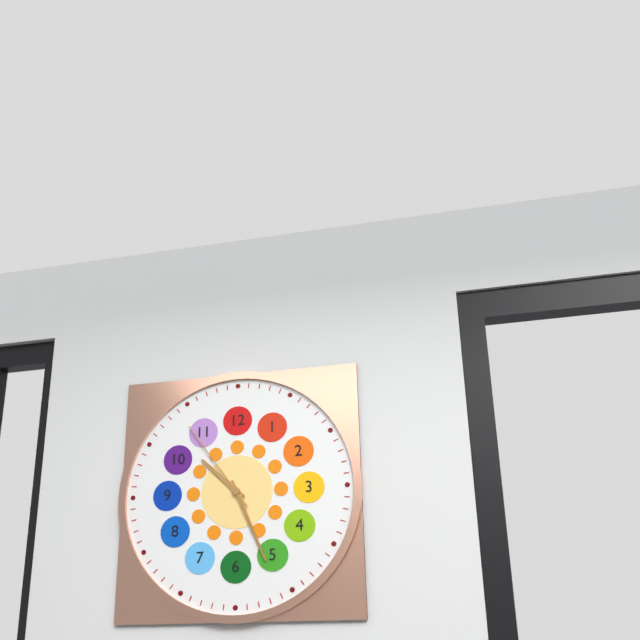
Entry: 10h26m54s
